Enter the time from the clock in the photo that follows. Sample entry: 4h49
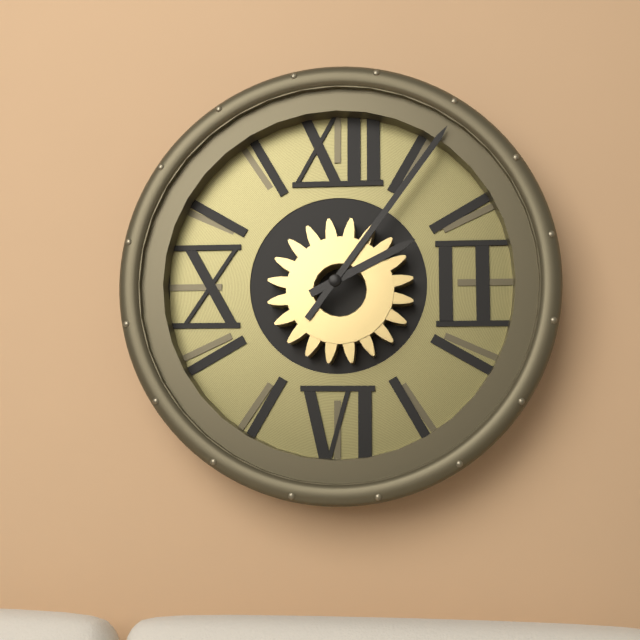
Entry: 2h06
